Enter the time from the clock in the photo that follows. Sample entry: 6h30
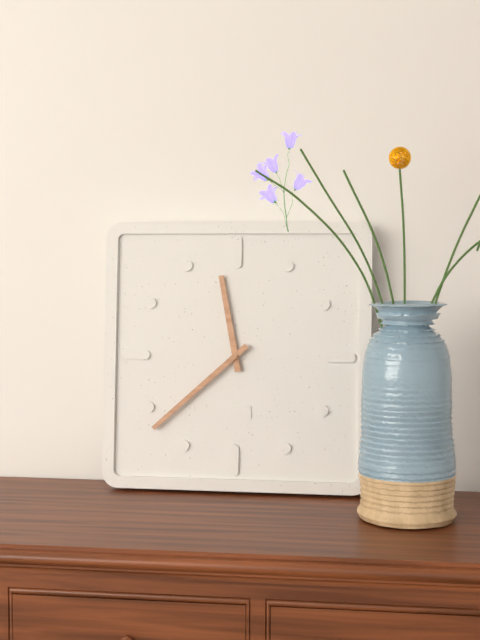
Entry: 11h38
